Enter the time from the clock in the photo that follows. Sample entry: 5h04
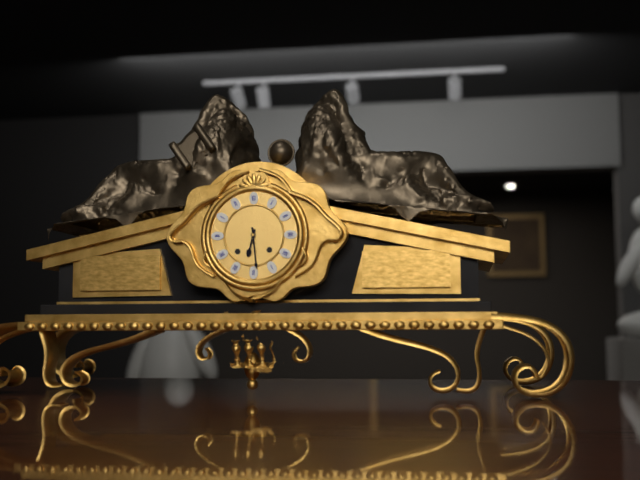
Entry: 6h29
